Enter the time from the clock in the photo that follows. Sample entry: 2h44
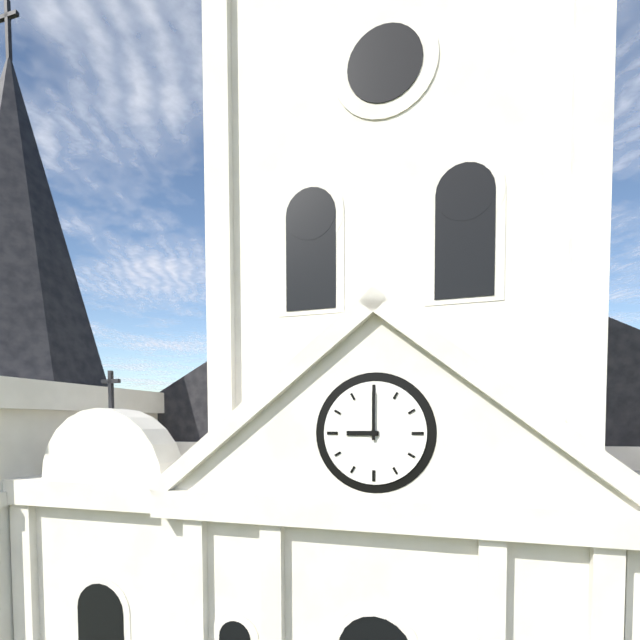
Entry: 9h00
